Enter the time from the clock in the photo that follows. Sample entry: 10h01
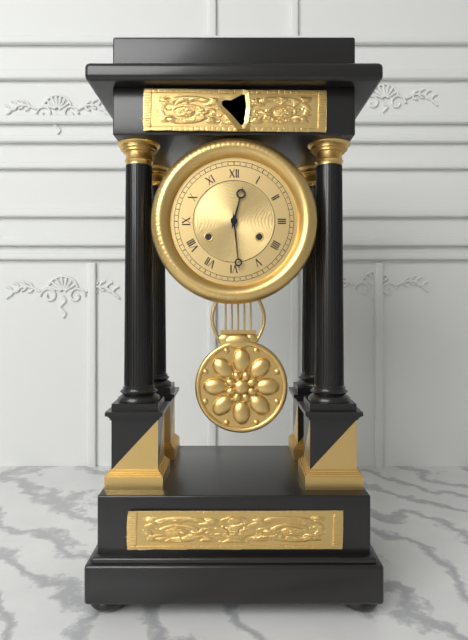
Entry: 12h29
